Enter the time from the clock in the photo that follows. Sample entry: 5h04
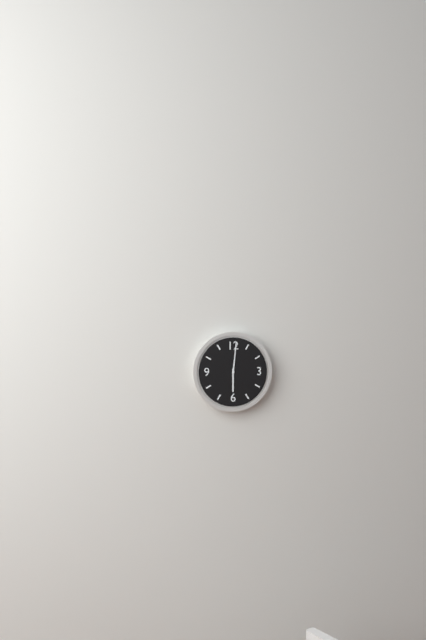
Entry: 6h01
